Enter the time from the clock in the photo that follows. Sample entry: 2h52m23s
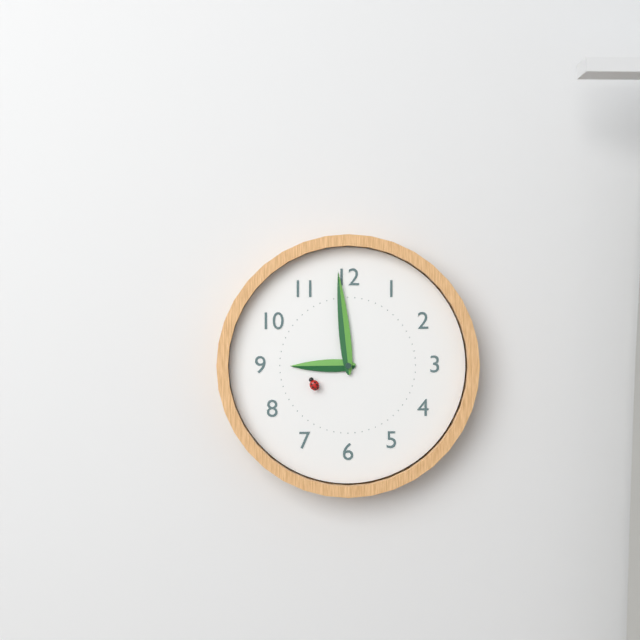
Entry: 8h59m40s
